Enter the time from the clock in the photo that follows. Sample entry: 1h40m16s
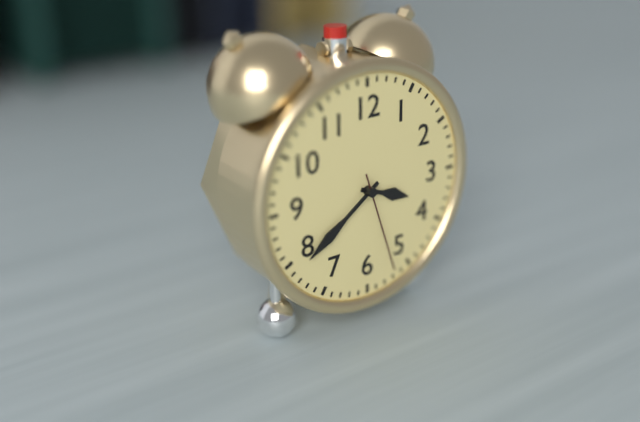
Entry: 3h39m27s
